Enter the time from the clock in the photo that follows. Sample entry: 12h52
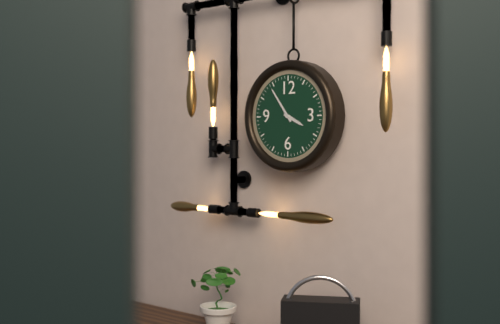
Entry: 3h54
